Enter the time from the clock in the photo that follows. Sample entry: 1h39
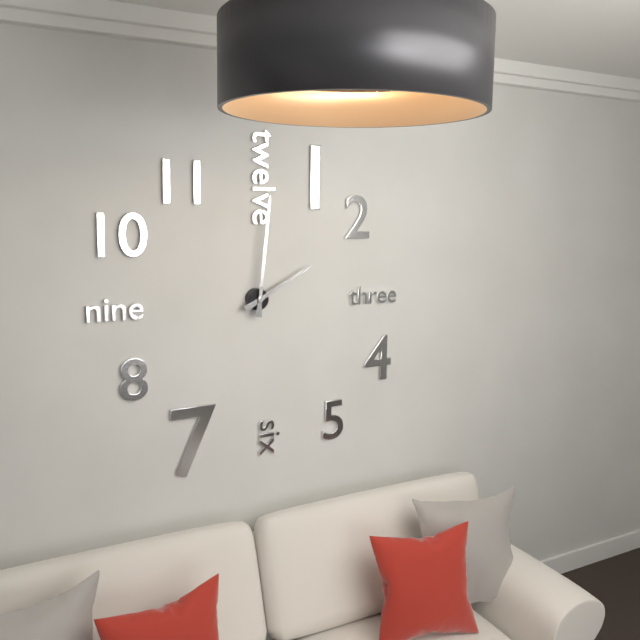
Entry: 2h01
